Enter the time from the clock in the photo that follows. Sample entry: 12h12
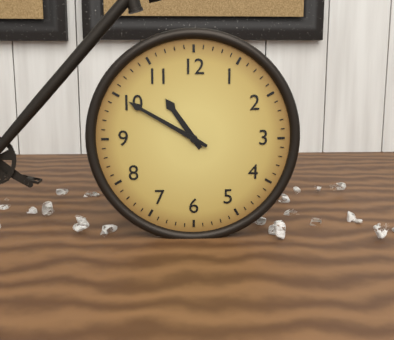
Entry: 10h50
